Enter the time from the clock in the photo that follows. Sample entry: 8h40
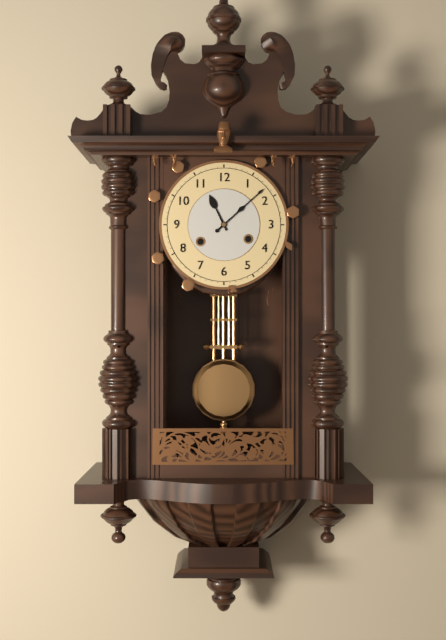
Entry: 11h08
